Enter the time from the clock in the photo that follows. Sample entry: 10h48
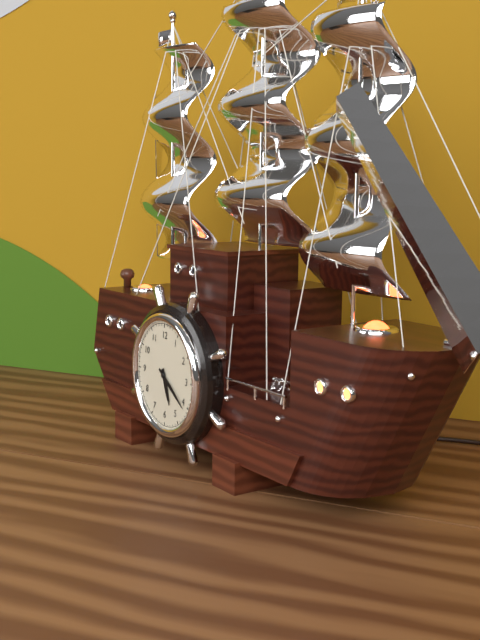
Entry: 5h21
